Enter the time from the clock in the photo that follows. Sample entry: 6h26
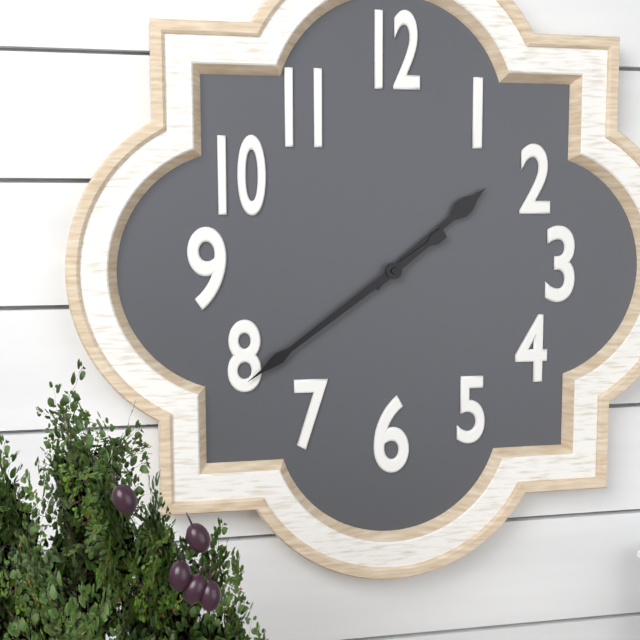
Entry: 1h39
